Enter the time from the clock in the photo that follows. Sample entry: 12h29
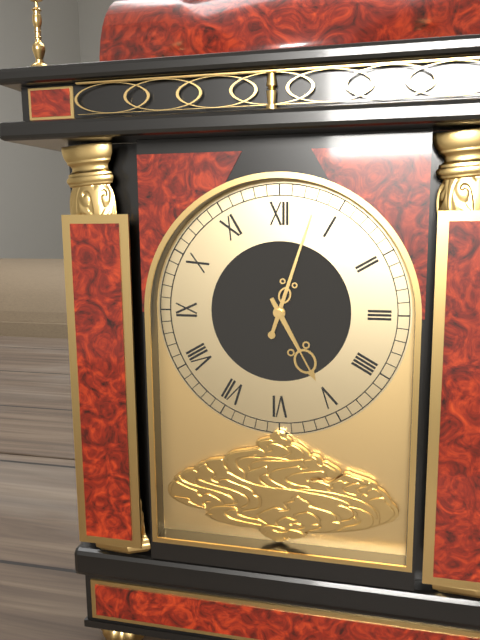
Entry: 5h03
